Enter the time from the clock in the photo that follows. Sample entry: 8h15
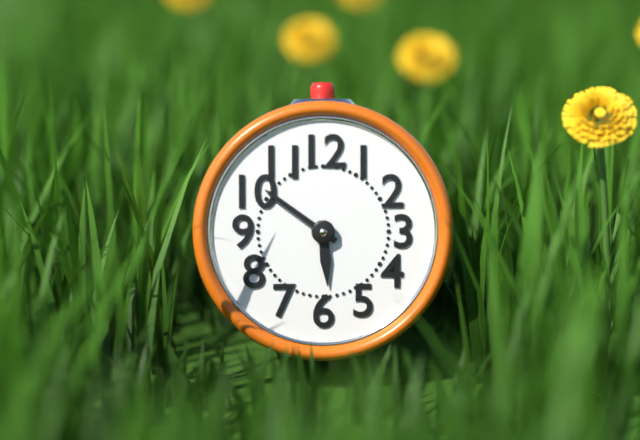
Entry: 5h51
